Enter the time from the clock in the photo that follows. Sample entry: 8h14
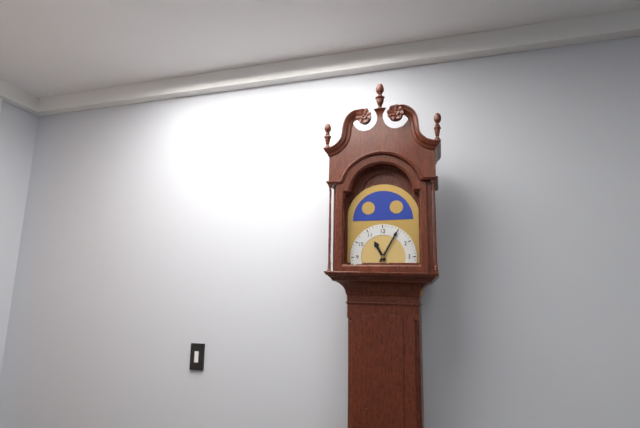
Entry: 11h05
